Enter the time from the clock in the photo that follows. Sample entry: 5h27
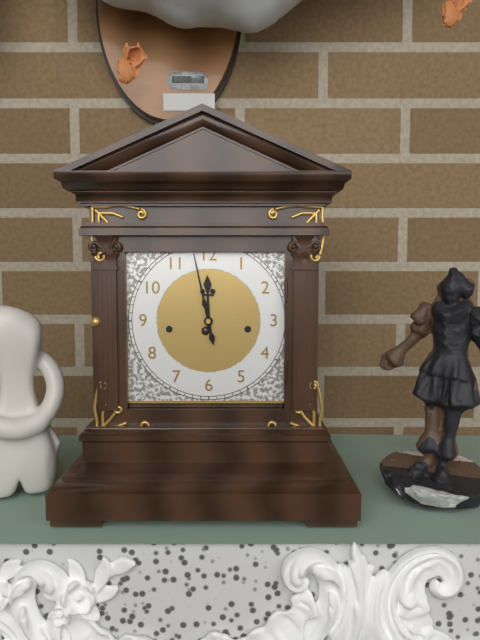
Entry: 11h58
